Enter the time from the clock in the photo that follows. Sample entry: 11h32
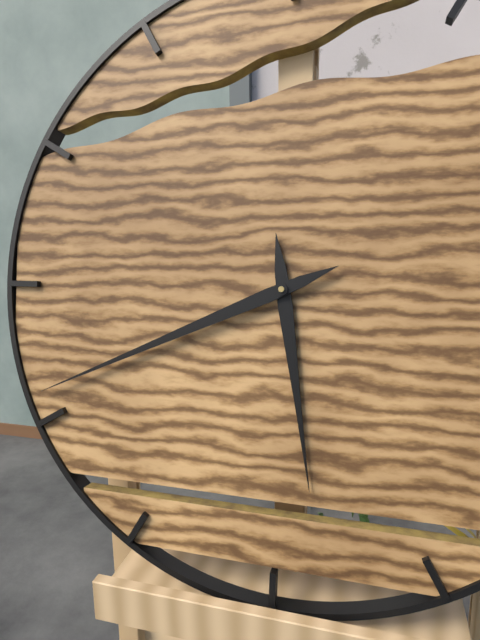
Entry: 5h41
